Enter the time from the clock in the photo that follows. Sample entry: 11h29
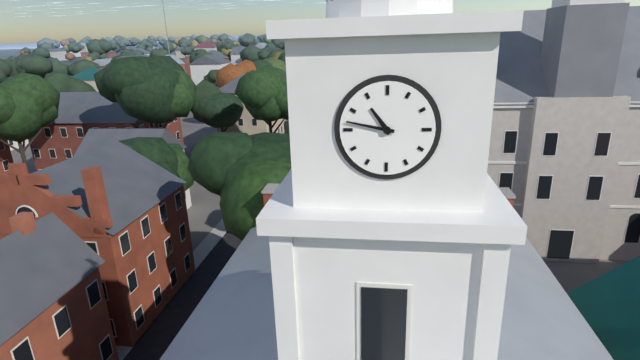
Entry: 10h47
